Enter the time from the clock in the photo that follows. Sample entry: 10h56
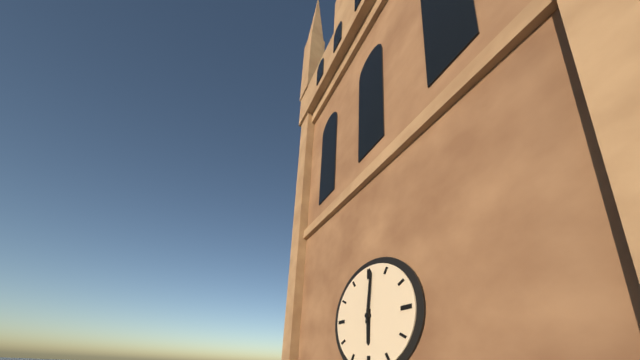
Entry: 6h01
